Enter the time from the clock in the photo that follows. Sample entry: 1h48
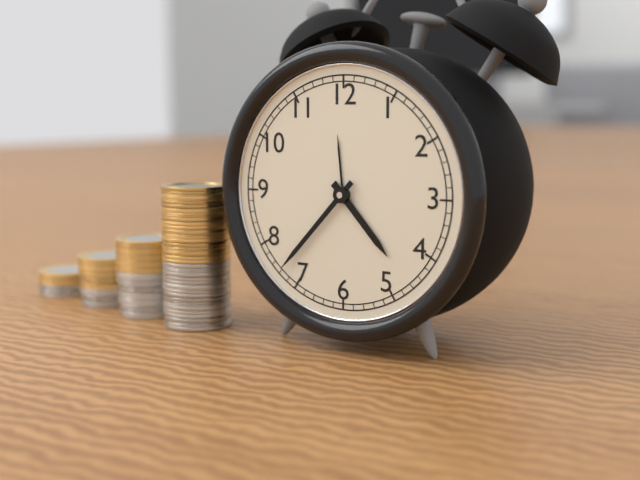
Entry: 4h37
